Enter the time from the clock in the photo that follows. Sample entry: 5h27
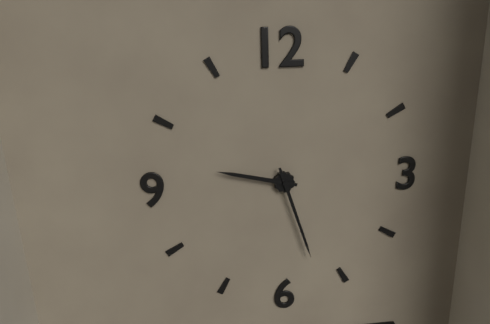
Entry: 9h27
